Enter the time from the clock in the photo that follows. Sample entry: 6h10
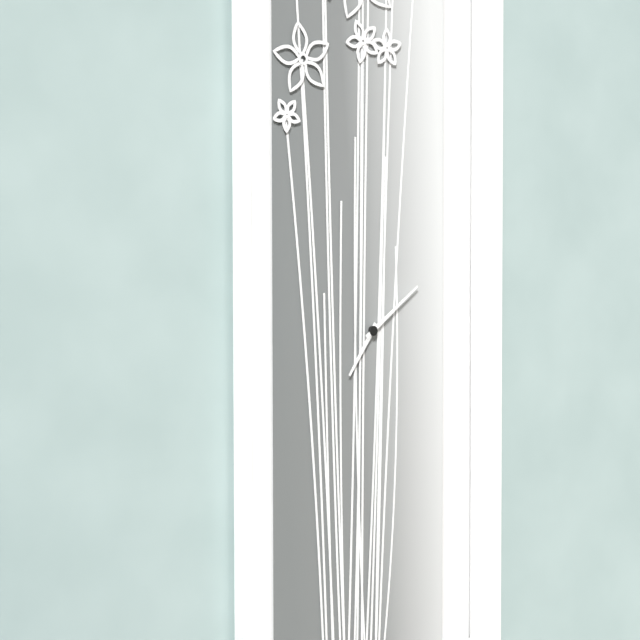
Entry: 7h09
